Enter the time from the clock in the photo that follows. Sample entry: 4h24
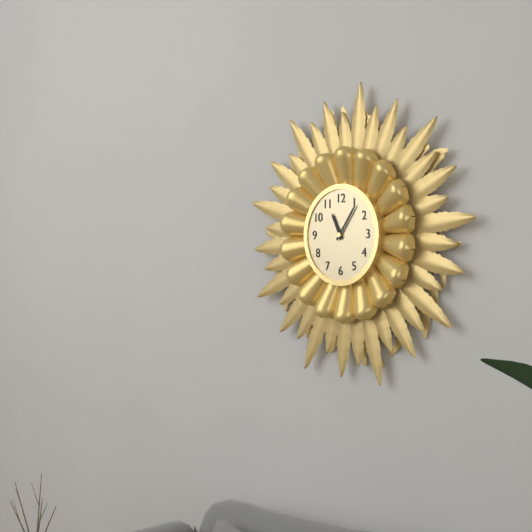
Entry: 11h06
